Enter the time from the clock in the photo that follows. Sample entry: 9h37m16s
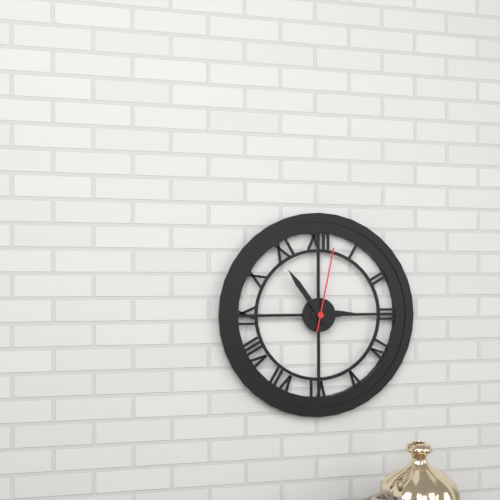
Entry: 2h54m02s
